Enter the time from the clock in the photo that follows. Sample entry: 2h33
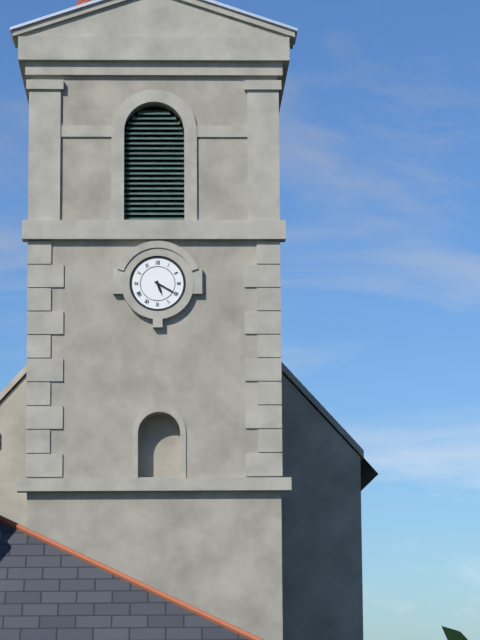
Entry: 5h20
